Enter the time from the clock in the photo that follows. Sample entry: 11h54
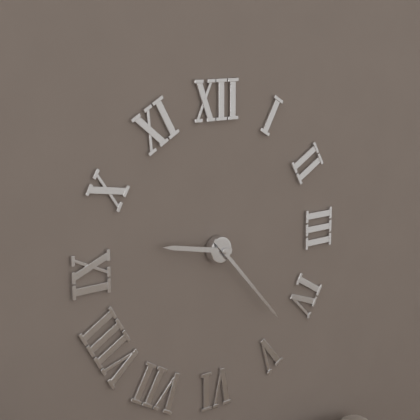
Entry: 9h23
